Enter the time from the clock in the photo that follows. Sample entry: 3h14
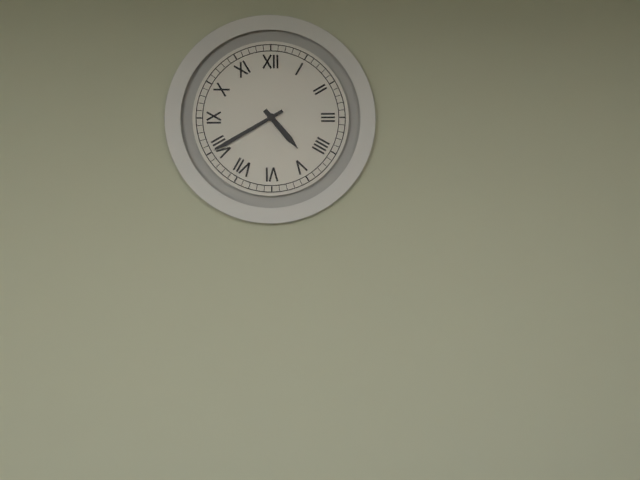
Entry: 4h40
